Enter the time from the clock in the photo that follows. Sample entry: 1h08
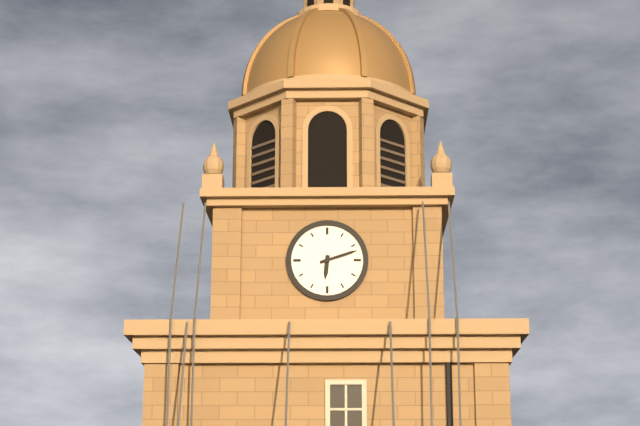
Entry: 6h12
